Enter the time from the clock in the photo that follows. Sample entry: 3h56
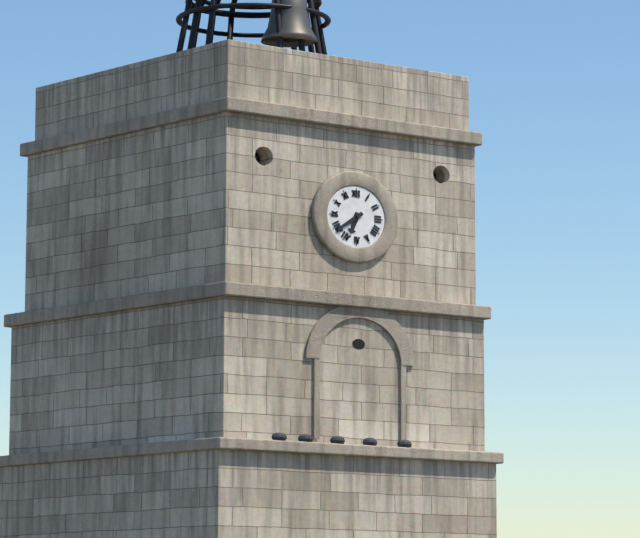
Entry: 6h39
